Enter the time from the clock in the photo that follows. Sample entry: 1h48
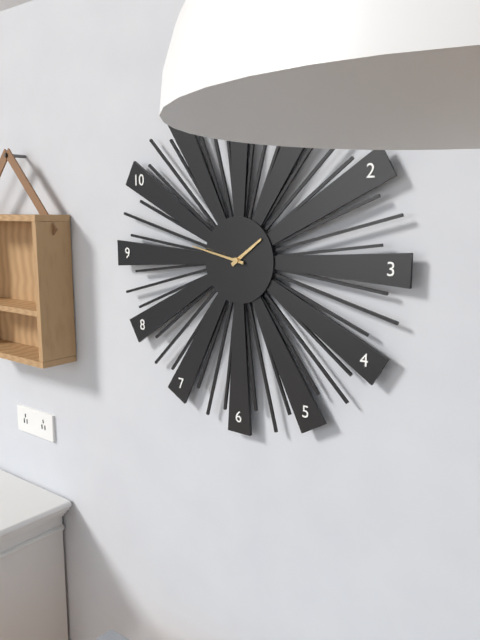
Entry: 1h47
